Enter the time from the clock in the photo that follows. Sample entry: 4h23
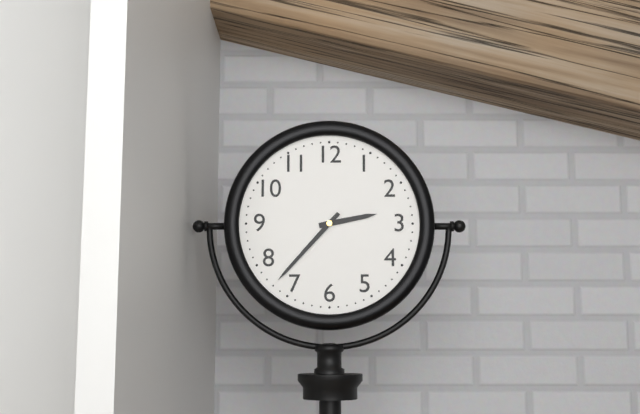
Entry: 2h37
